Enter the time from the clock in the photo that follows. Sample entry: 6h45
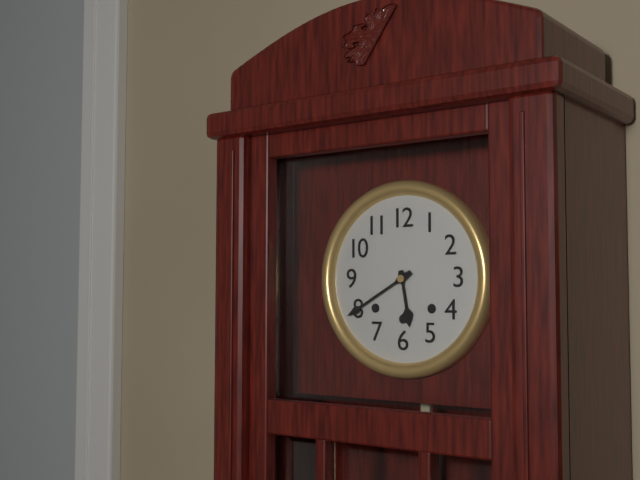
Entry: 5h40
